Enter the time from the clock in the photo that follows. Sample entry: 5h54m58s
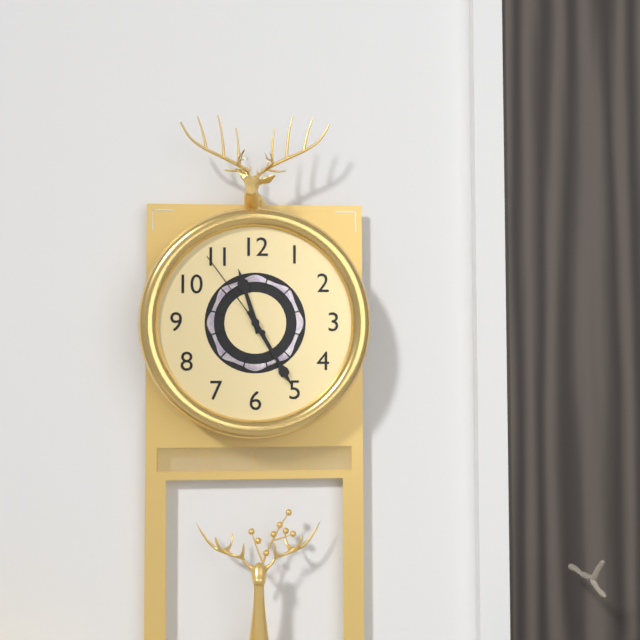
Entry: 11h25m54s
